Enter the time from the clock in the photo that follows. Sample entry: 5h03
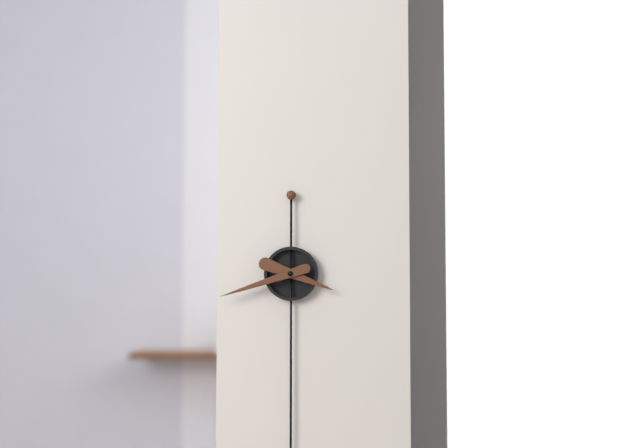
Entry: 3h42
